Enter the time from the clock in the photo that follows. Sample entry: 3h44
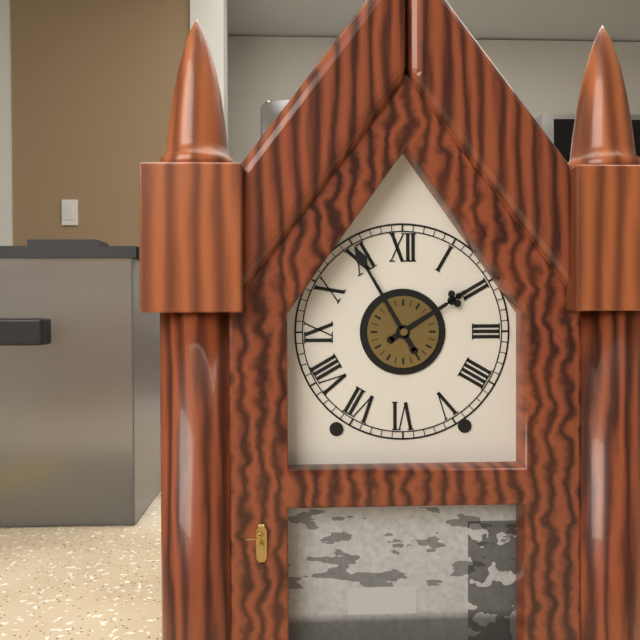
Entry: 1h55
